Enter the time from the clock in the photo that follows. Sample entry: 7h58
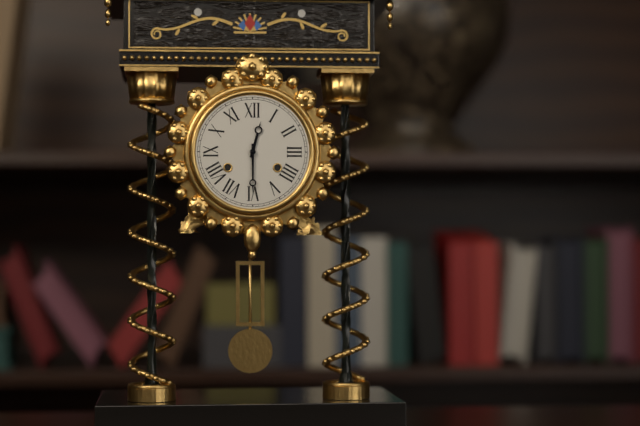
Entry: 12h30
